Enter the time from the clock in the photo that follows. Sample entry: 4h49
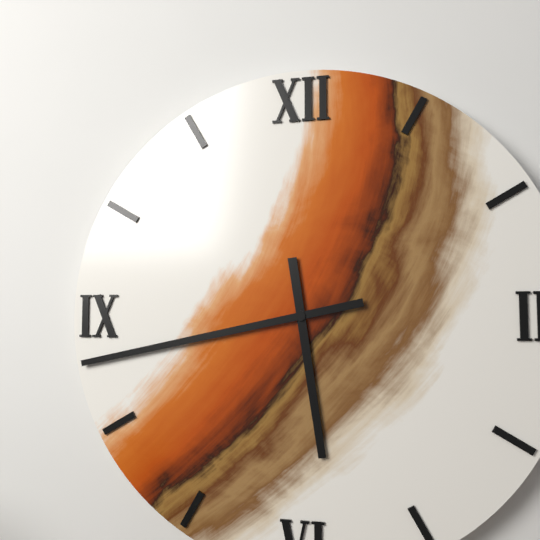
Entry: 5h43
